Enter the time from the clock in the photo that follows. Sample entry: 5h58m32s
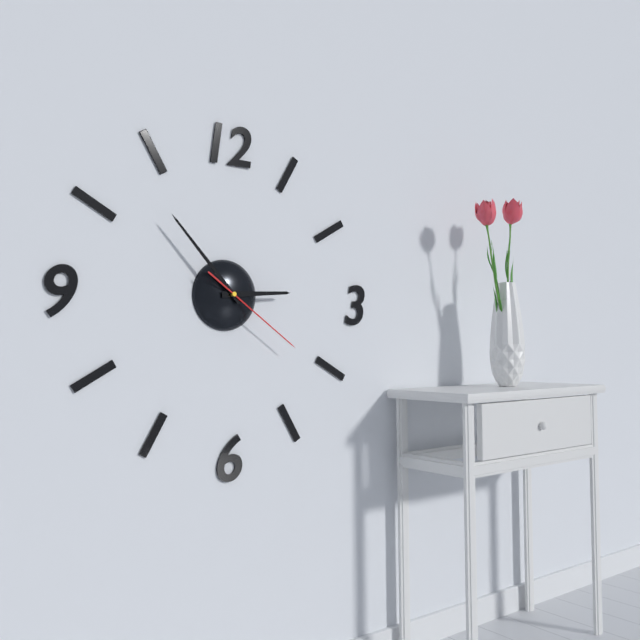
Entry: 2h53m21s
